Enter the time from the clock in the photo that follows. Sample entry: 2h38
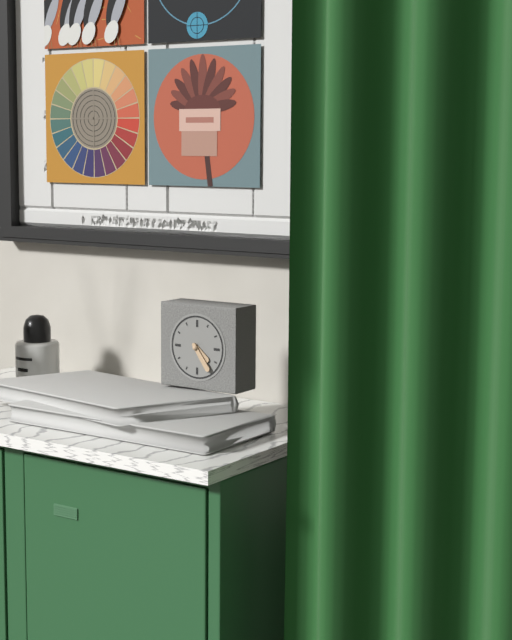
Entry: 4h24
